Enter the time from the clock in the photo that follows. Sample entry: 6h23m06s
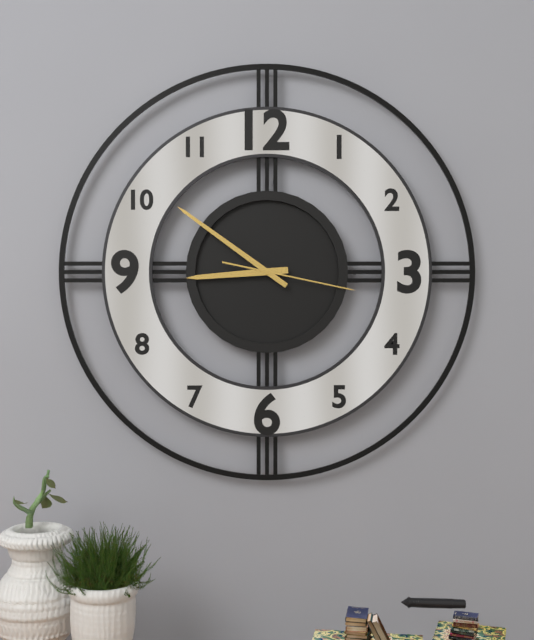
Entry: 8h51m17s
